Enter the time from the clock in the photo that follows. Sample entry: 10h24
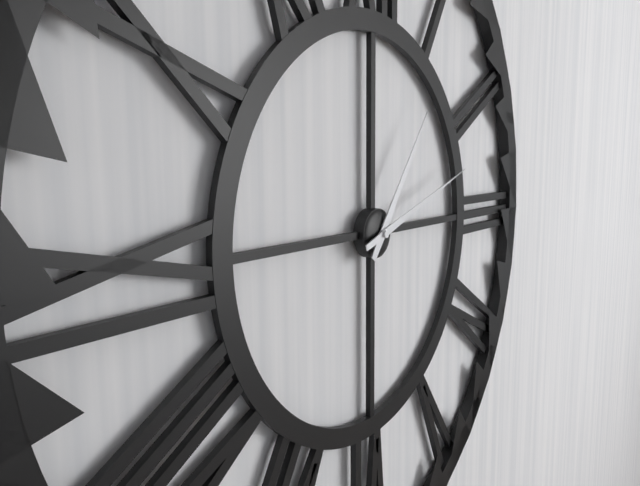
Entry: 1h12
